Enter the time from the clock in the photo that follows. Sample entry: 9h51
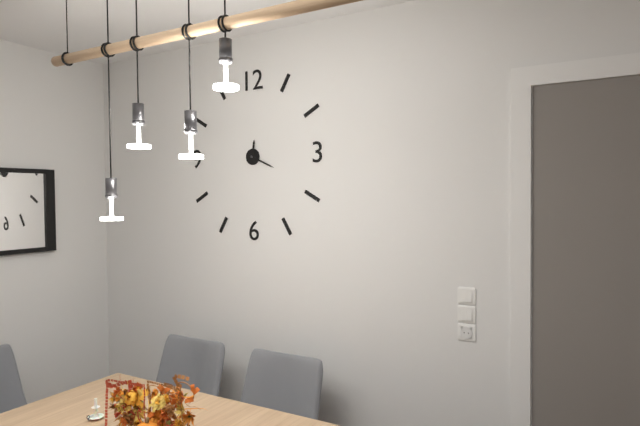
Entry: 12h19
